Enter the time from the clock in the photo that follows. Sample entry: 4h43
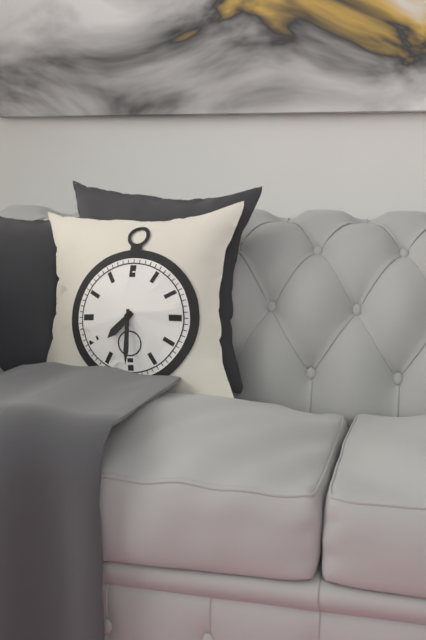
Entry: 7h30
